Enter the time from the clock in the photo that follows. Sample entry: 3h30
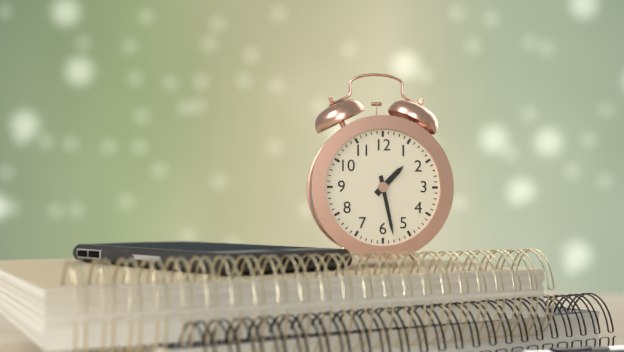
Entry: 1h28
